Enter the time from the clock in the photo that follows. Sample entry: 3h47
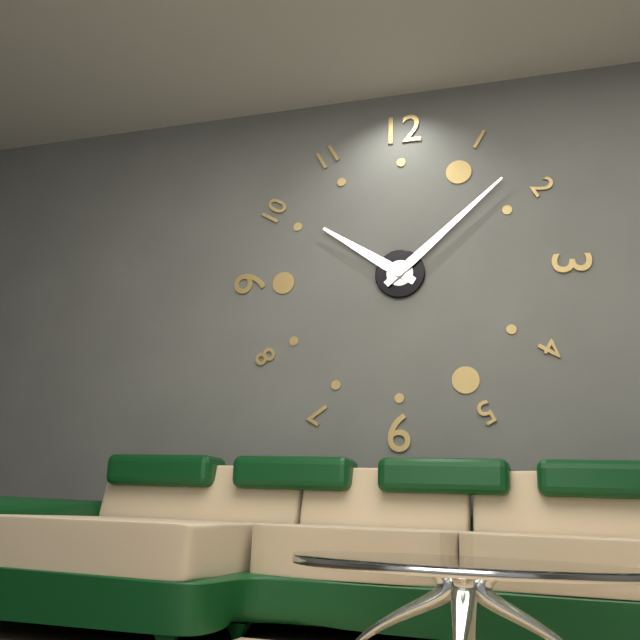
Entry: 10h08
